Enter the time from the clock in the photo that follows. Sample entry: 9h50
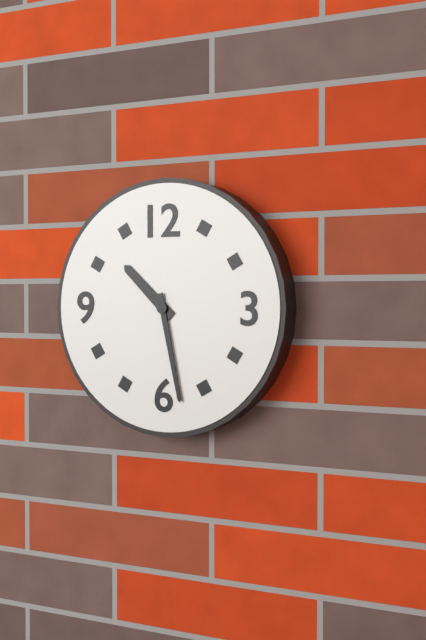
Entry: 10h28
